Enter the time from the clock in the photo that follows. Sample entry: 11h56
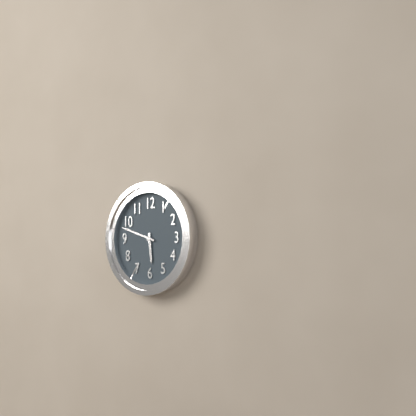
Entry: 5h48
